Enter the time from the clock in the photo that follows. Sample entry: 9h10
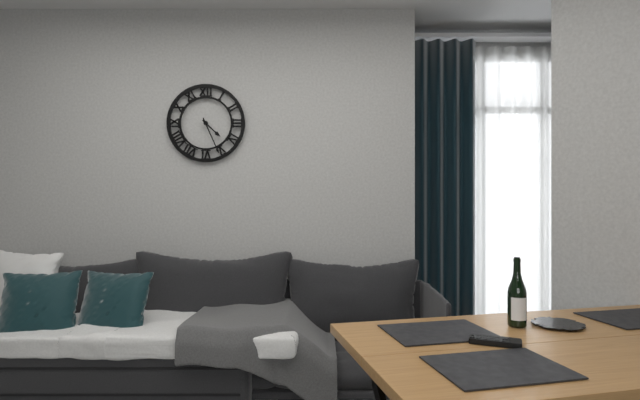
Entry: 4h26
